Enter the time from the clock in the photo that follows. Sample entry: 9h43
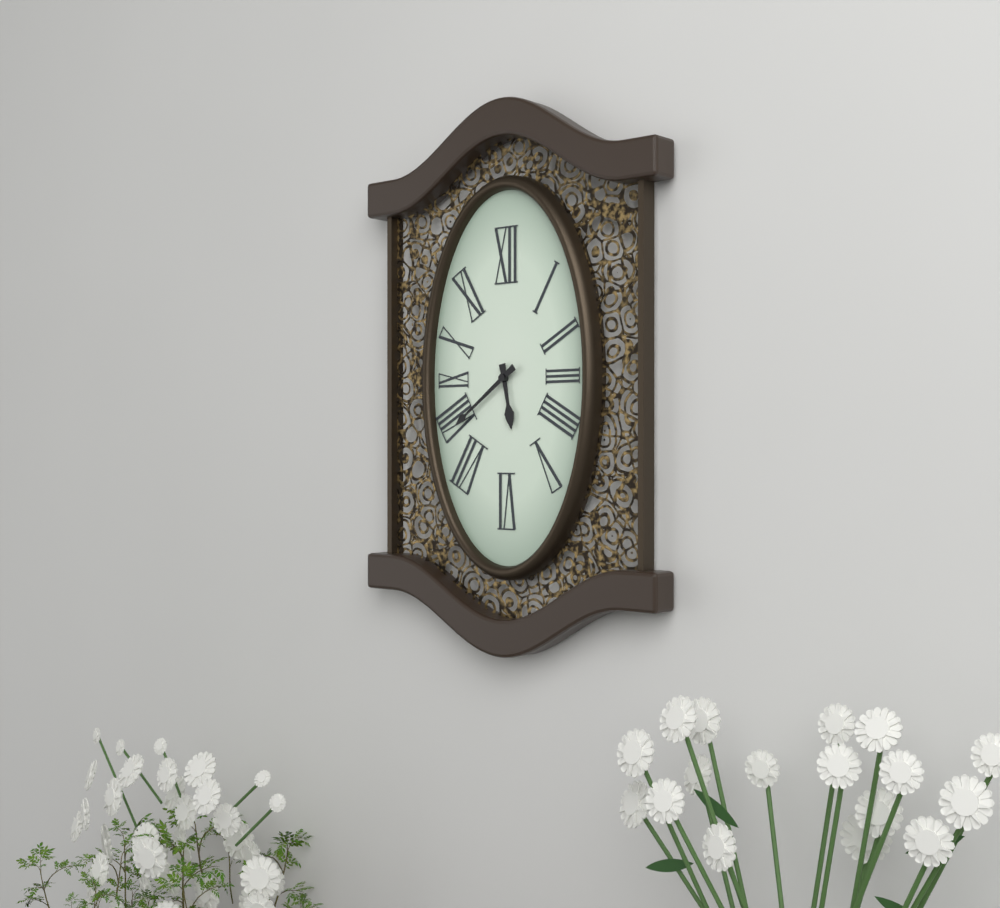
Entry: 5h39
